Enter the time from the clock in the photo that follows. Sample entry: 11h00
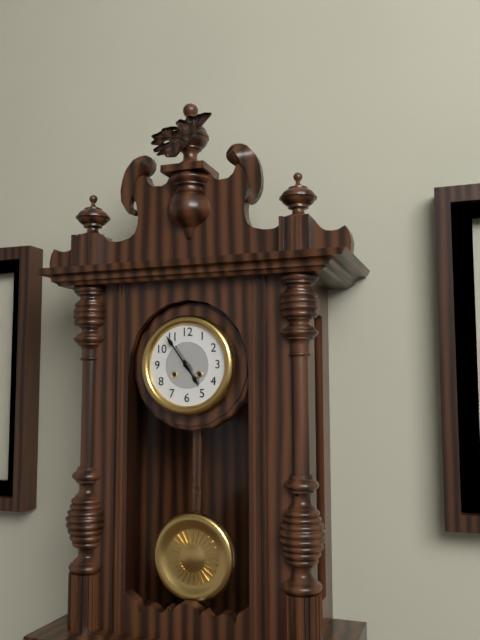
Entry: 4h54
